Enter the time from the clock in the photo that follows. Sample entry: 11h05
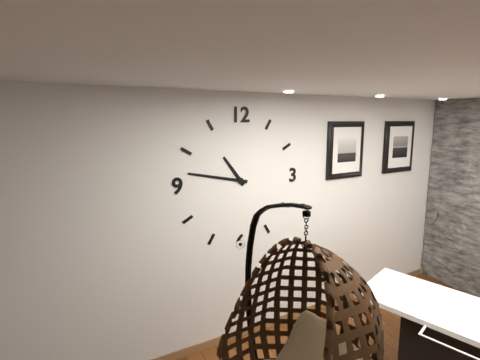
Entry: 10h47
